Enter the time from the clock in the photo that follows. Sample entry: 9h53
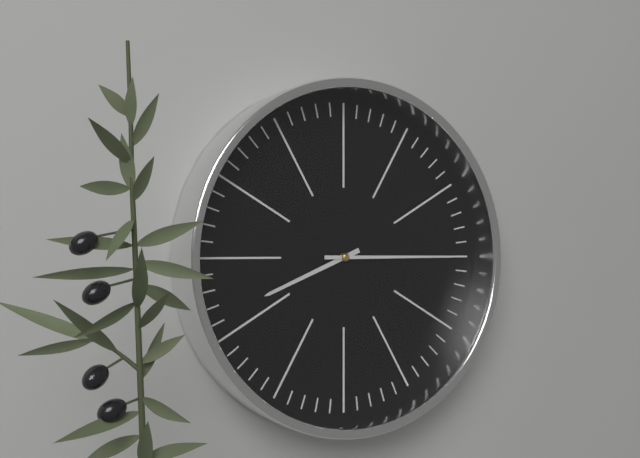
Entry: 8h15
